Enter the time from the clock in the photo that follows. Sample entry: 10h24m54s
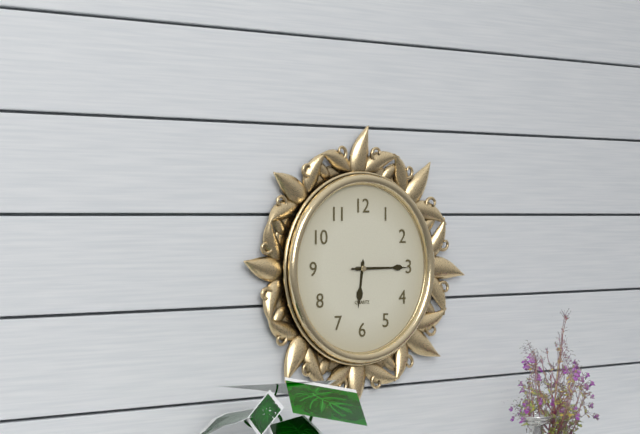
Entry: 6h15m15s
